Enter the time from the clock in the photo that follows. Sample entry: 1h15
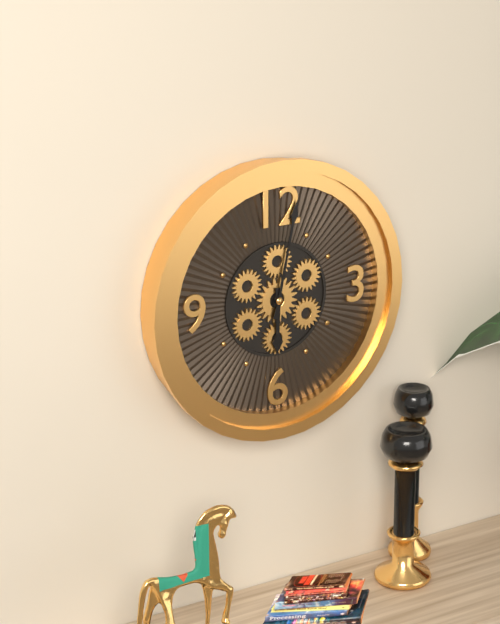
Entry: 6h02
